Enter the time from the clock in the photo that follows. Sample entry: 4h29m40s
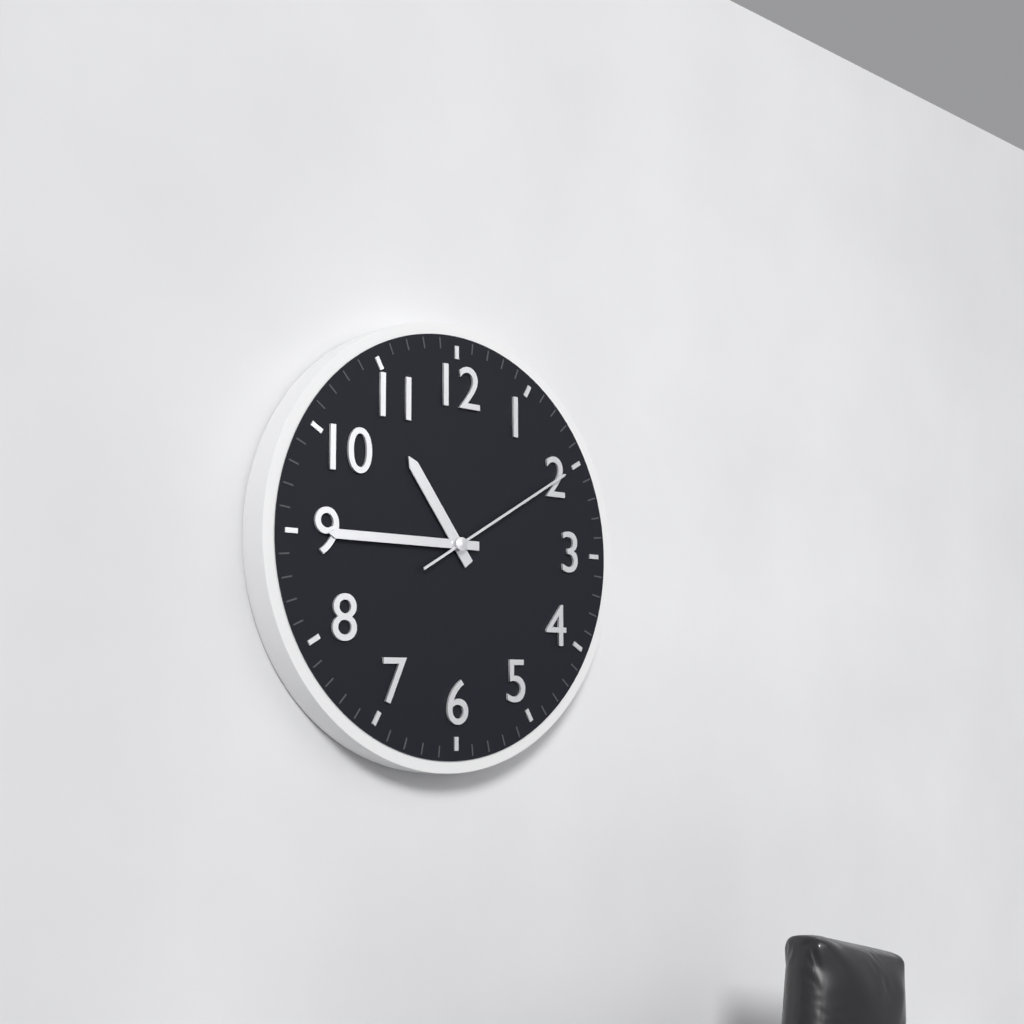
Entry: 10h45m10s
